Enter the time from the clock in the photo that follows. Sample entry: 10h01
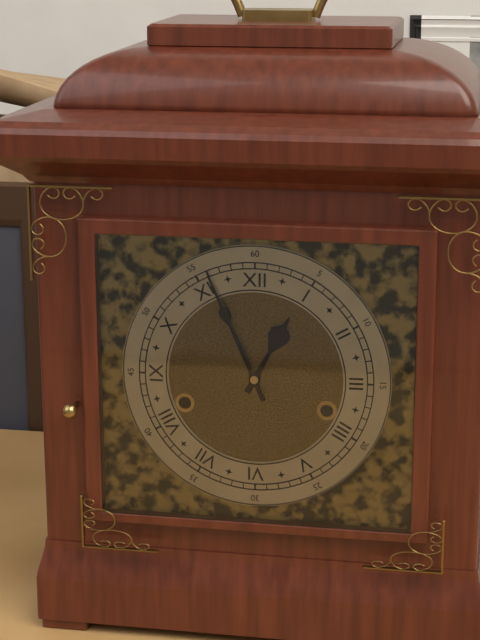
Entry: 12h56
